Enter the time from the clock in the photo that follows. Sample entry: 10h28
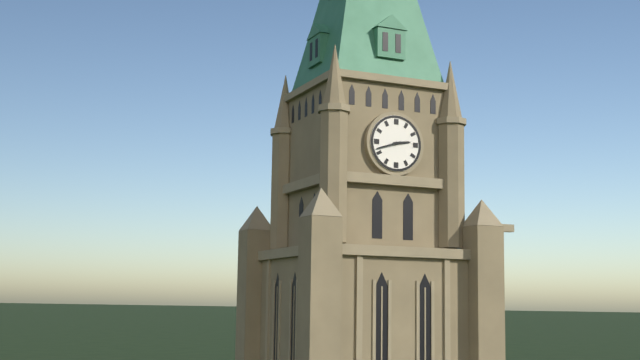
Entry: 2h42
